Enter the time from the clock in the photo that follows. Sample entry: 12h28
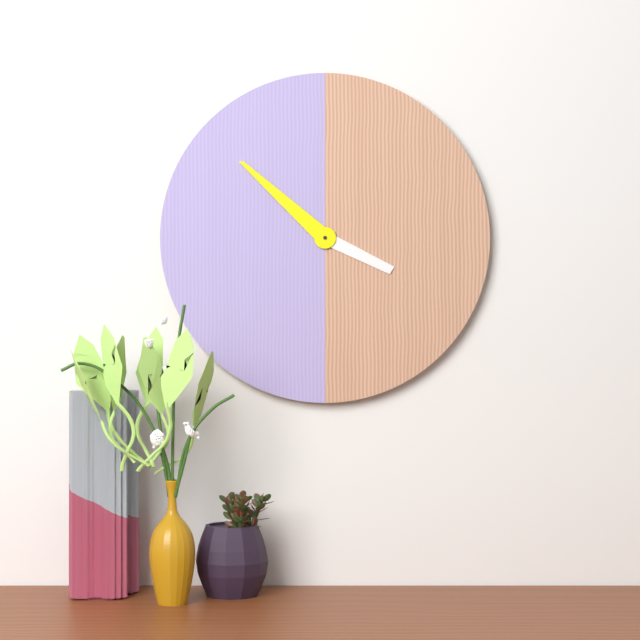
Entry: 3h52
